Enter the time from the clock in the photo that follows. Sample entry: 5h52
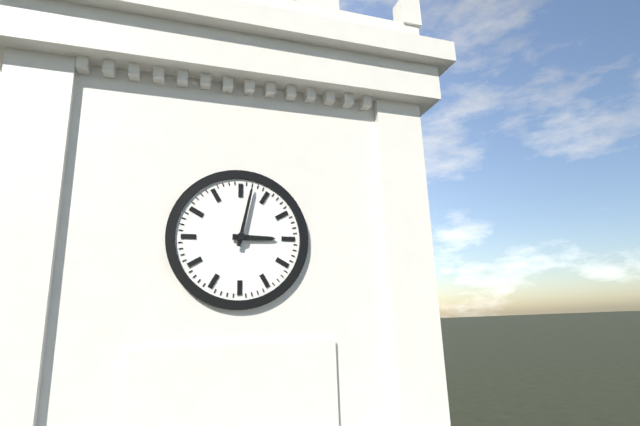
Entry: 3h02
